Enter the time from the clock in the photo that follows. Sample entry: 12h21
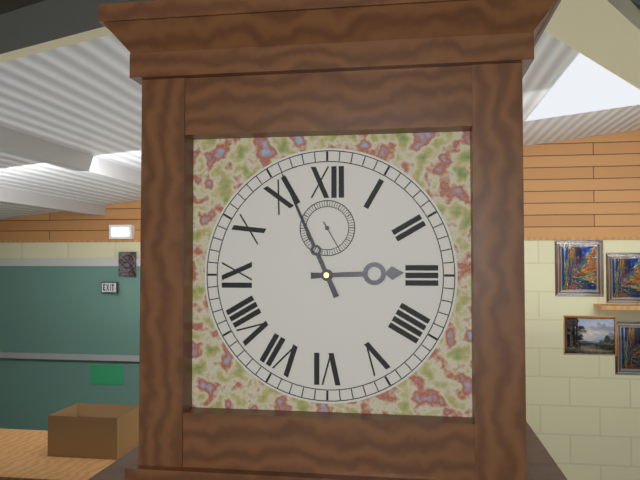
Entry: 2h56
